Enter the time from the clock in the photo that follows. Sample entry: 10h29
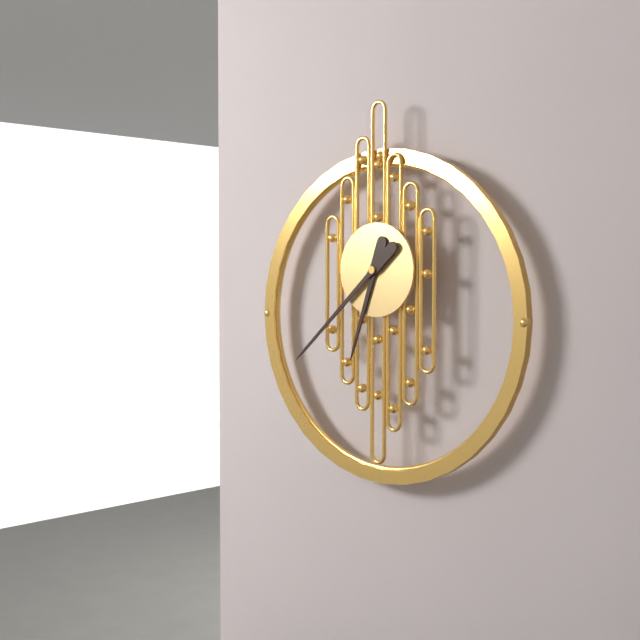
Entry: 6h38
